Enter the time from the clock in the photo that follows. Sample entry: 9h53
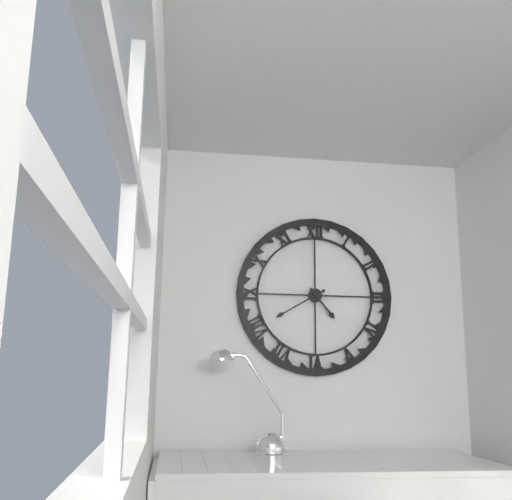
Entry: 4h40
